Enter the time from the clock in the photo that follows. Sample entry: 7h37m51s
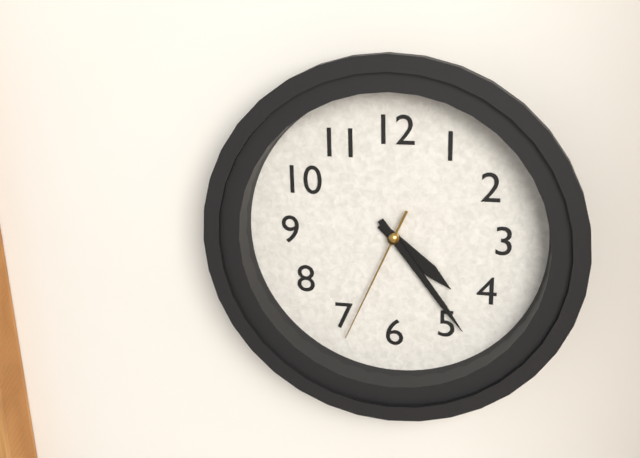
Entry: 4h24m34s
